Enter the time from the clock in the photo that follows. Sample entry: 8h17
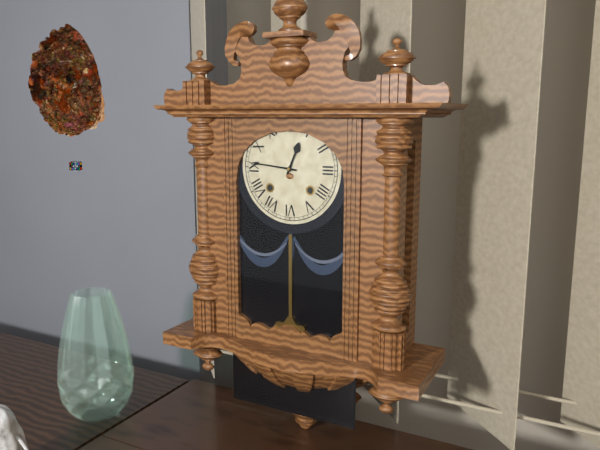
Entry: 12h46
